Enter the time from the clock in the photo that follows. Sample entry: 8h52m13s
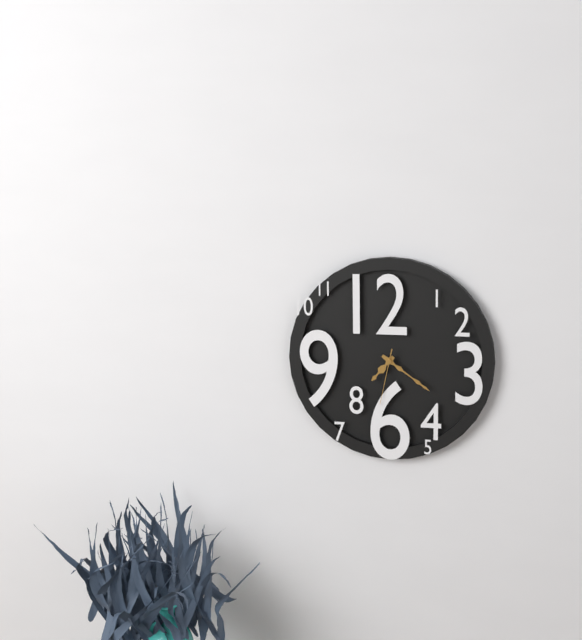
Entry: 7h21m32s
